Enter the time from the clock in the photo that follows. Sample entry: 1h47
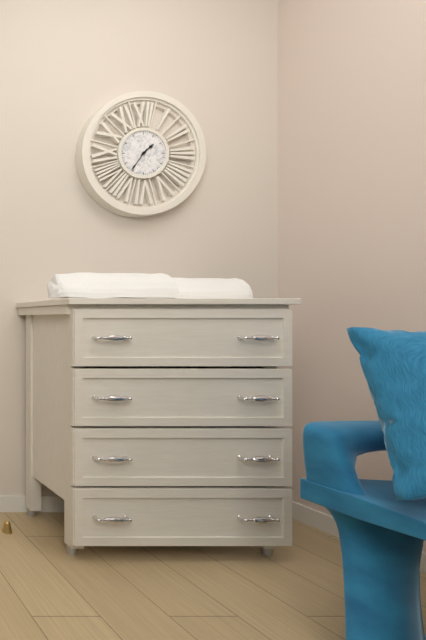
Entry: 1h36
